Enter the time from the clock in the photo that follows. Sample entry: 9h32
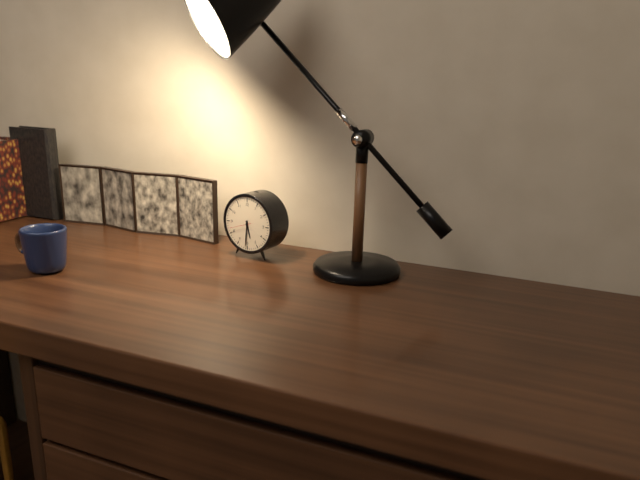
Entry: 5h31
